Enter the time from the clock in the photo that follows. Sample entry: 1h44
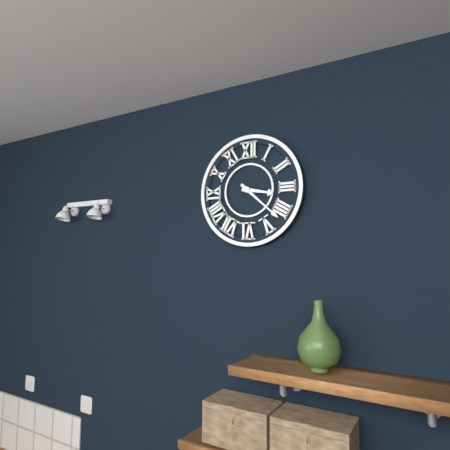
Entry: 3h22
